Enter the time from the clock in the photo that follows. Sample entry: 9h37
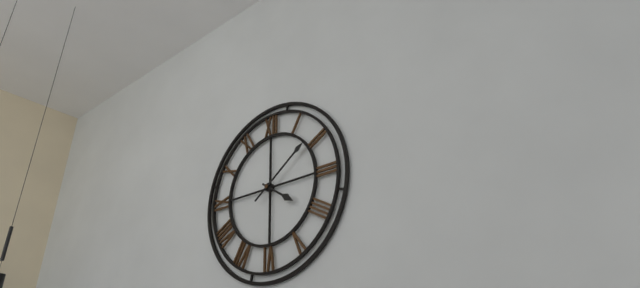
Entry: 4h09
